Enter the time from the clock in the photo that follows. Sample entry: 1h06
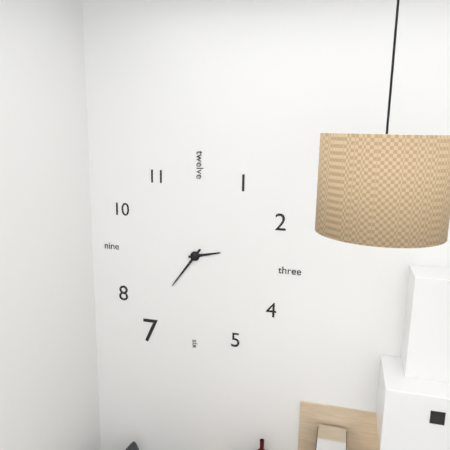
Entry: 2h36
